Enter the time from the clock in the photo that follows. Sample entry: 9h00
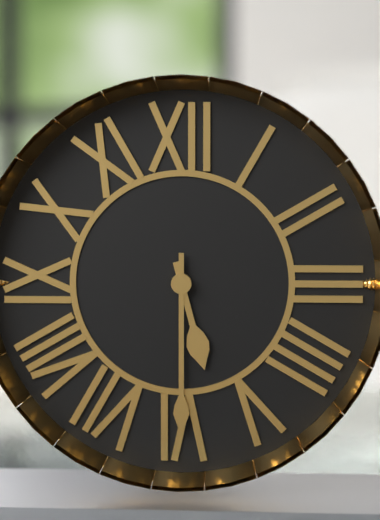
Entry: 5h30
